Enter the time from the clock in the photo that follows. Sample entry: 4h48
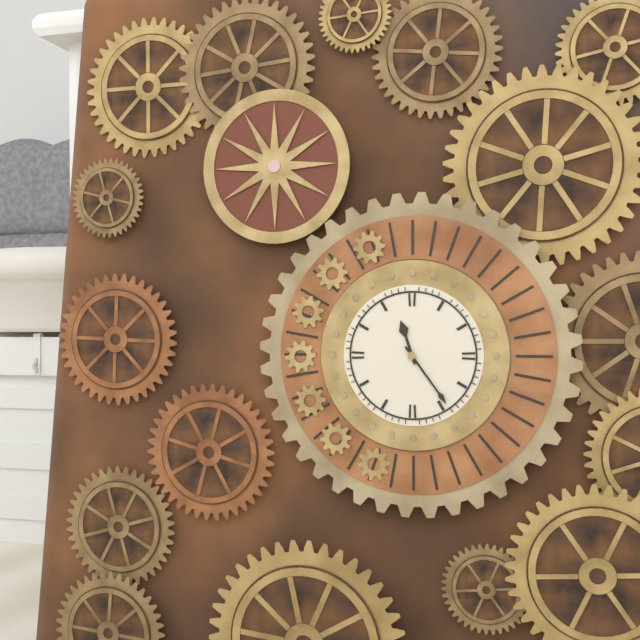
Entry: 11h24
